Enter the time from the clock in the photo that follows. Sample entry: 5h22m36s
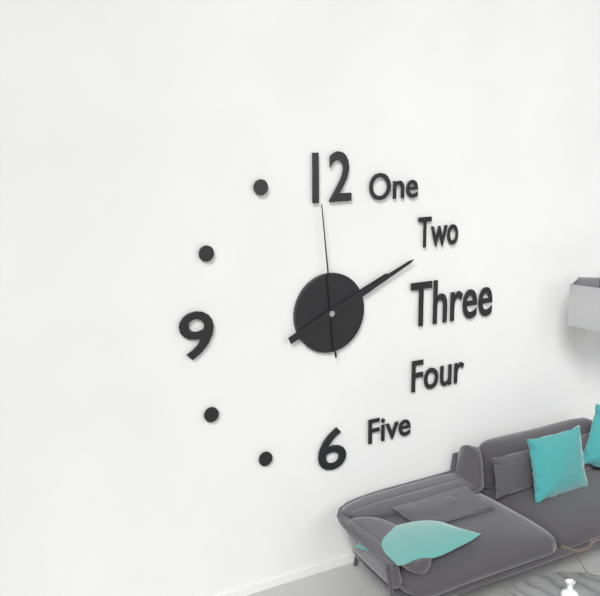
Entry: 2h11m59s
